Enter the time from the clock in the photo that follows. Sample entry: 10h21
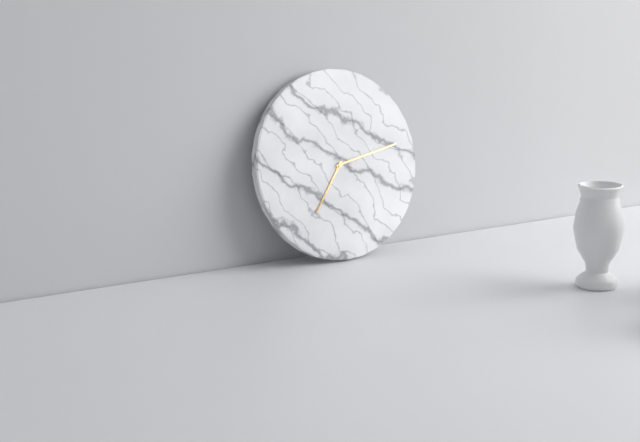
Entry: 7h13
